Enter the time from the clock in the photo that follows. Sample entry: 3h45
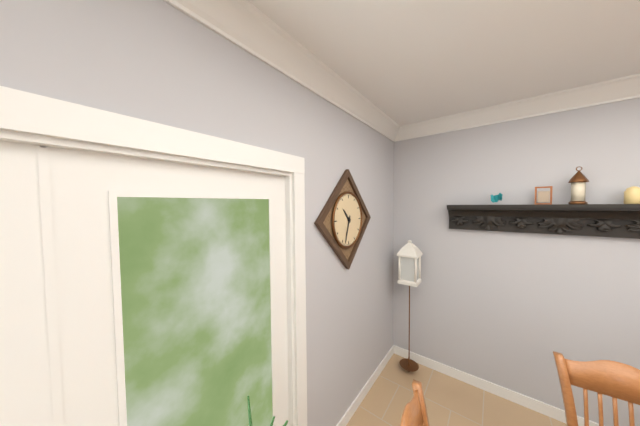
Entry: 10h33
